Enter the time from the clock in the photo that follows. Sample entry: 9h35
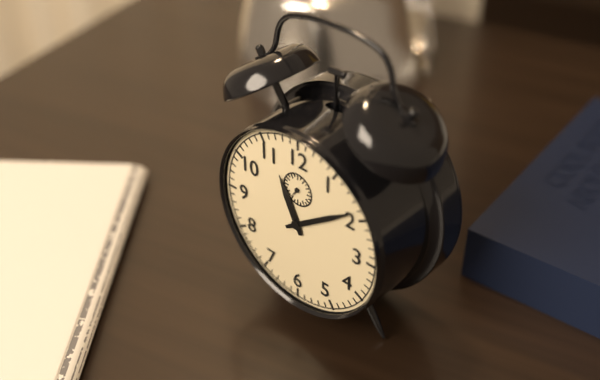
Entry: 11h09
